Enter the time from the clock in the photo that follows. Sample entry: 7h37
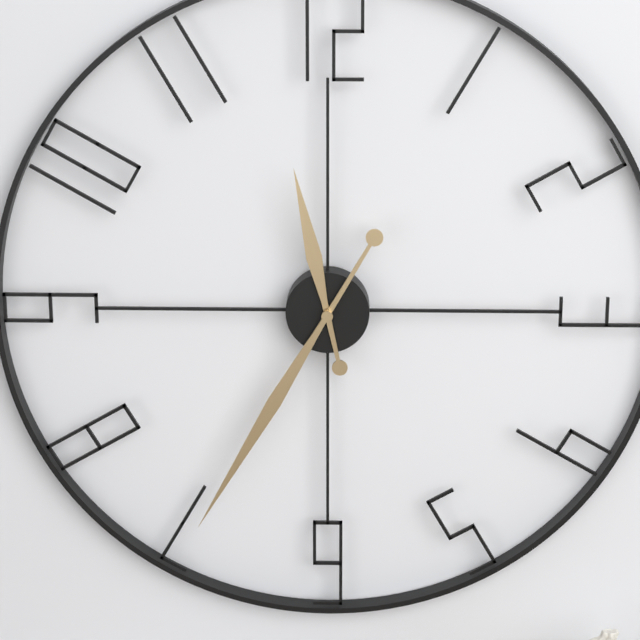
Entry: 11h35
